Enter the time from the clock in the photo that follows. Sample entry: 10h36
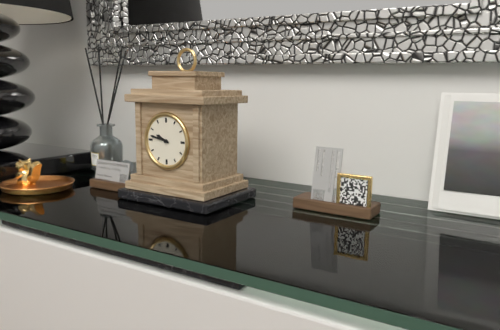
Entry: 9h47
